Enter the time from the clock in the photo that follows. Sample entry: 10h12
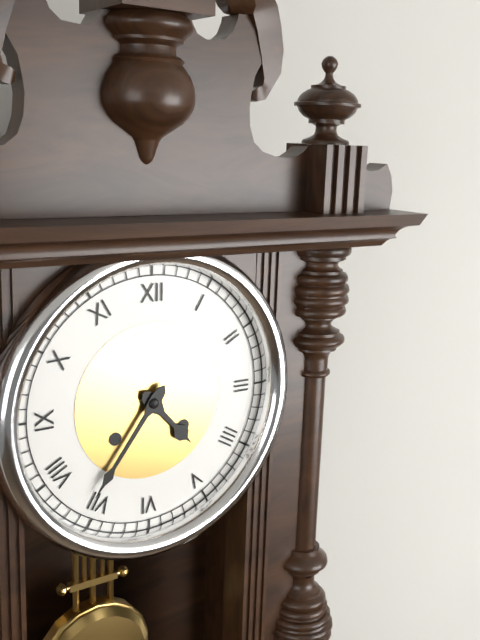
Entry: 4h36
